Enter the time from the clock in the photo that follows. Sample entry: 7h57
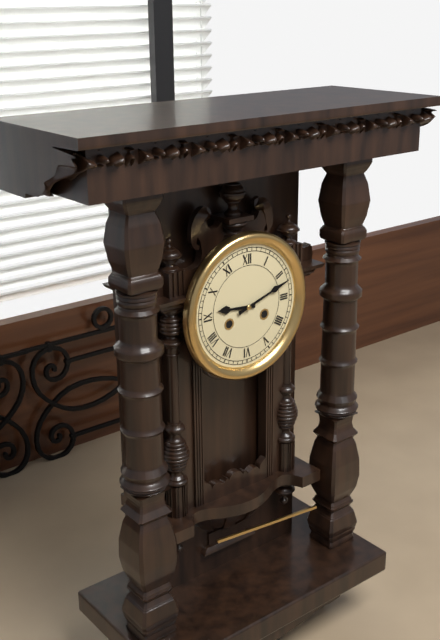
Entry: 9h12
